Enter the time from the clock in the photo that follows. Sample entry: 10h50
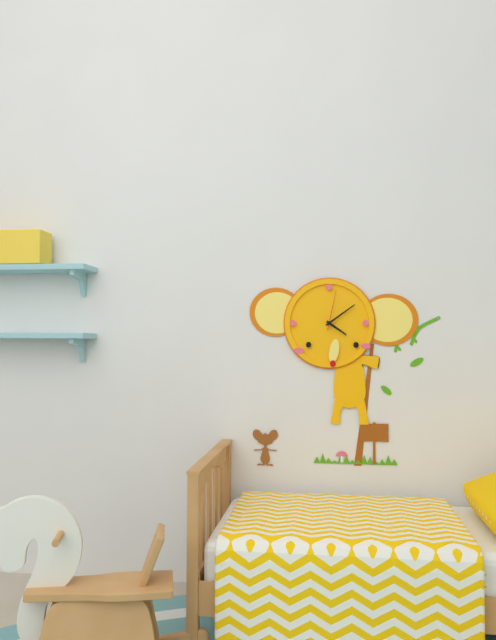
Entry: 4h09
